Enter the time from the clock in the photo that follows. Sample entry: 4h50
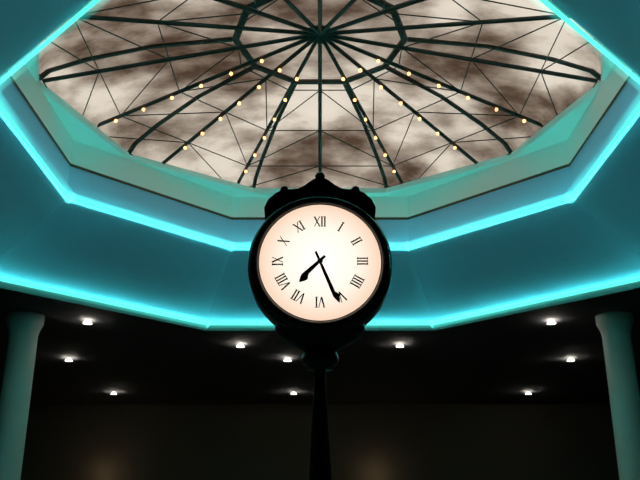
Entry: 7h26
